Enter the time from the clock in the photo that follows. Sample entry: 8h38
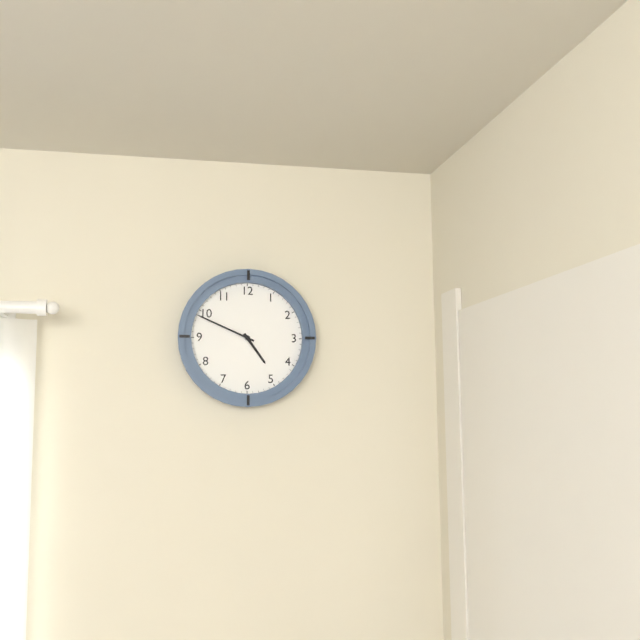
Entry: 4h49
